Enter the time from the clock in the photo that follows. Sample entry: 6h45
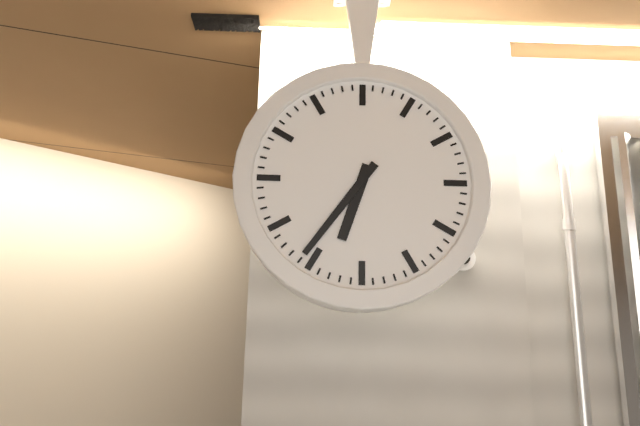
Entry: 6h36
